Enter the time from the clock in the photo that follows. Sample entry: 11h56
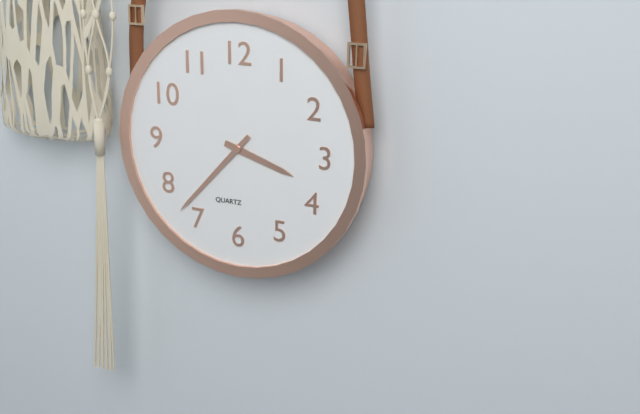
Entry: 3h37
